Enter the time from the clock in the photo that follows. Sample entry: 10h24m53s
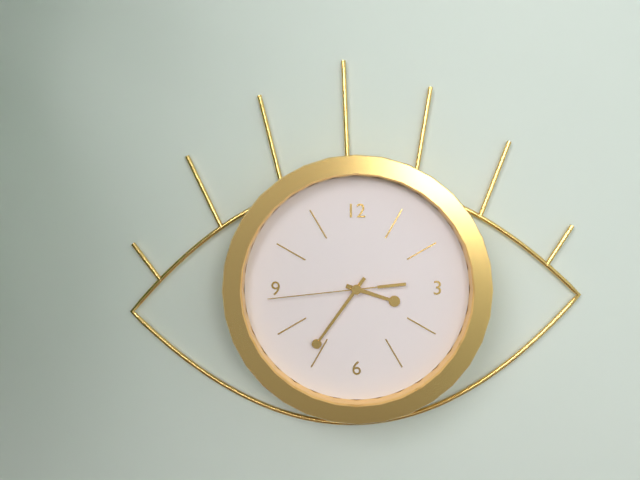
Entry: 3h36m44s
